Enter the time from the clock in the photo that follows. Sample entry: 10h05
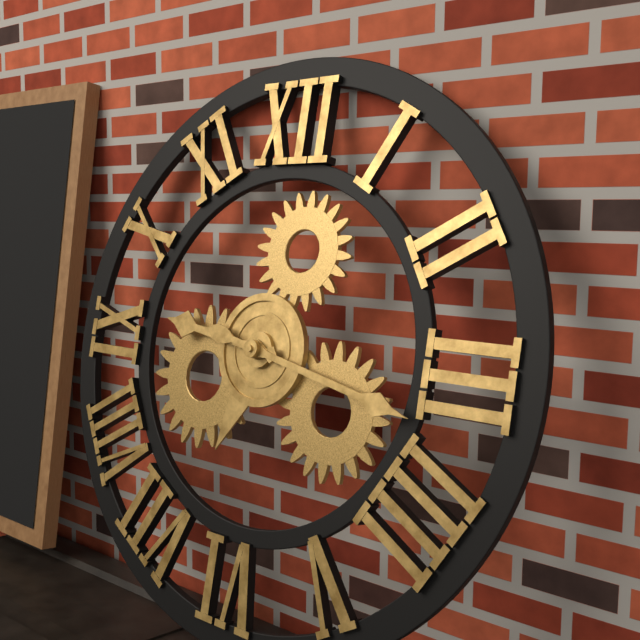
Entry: 9h17
